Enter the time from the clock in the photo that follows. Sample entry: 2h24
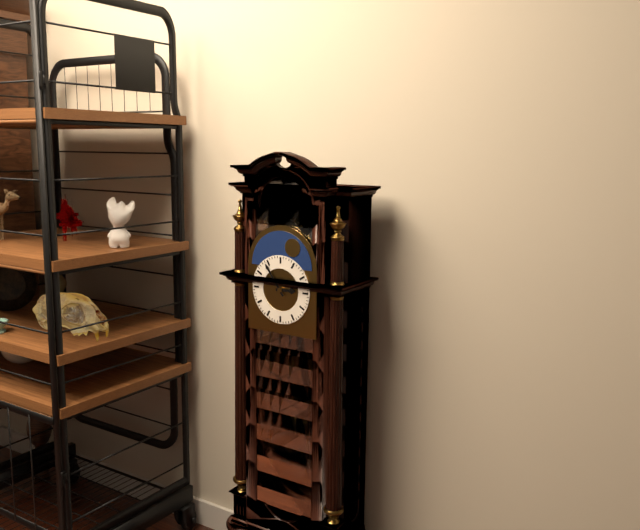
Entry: 2h54
